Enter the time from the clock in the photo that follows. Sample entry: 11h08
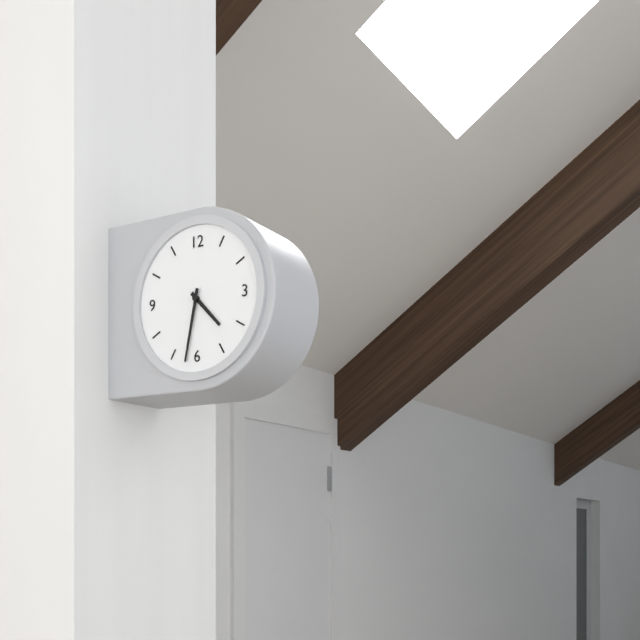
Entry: 4h32
